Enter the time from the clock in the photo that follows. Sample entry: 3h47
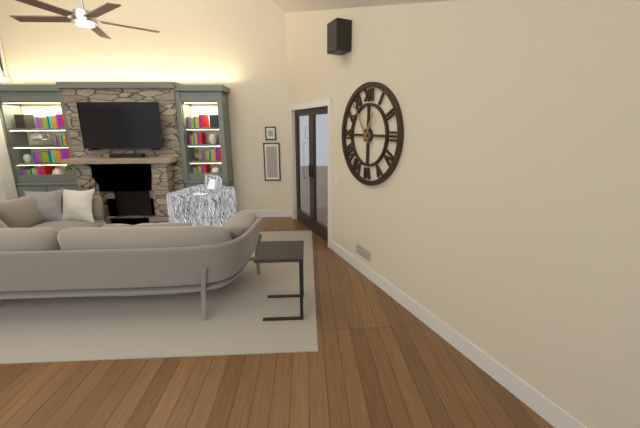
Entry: 12h54
